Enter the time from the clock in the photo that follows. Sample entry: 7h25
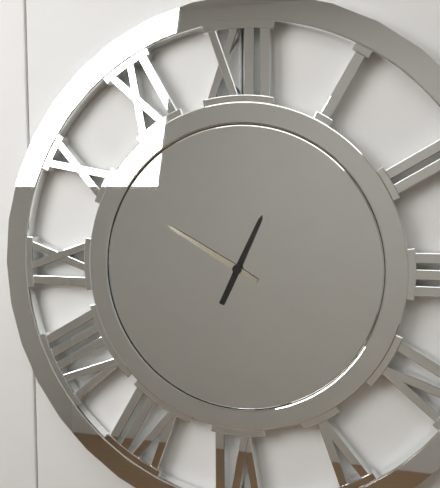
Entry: 12h50
